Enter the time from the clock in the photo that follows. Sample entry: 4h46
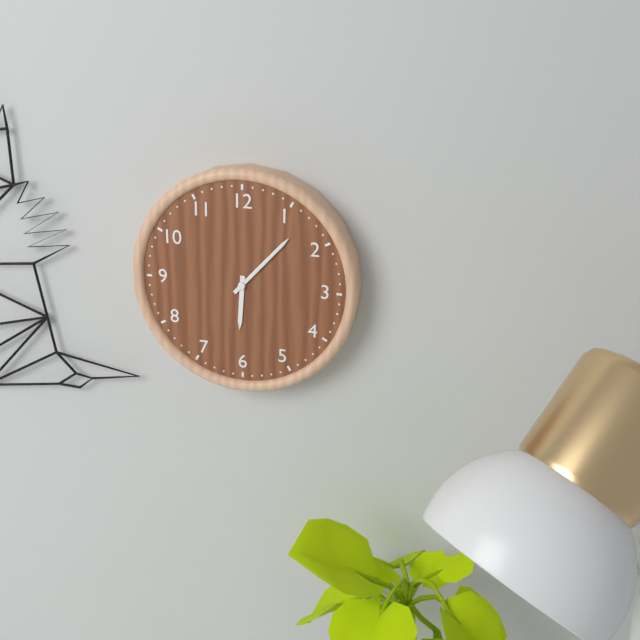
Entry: 6h07
